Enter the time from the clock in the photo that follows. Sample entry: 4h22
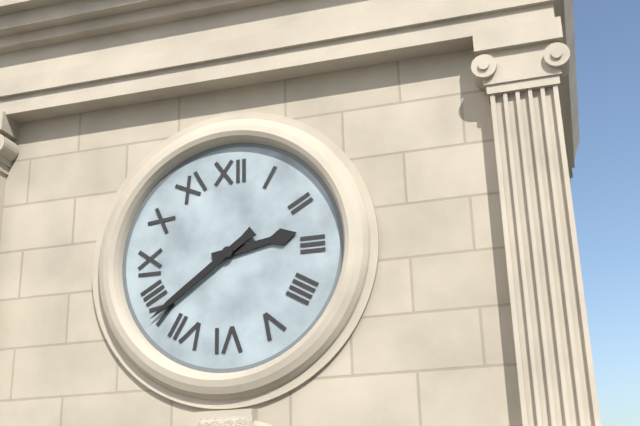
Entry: 2h39
